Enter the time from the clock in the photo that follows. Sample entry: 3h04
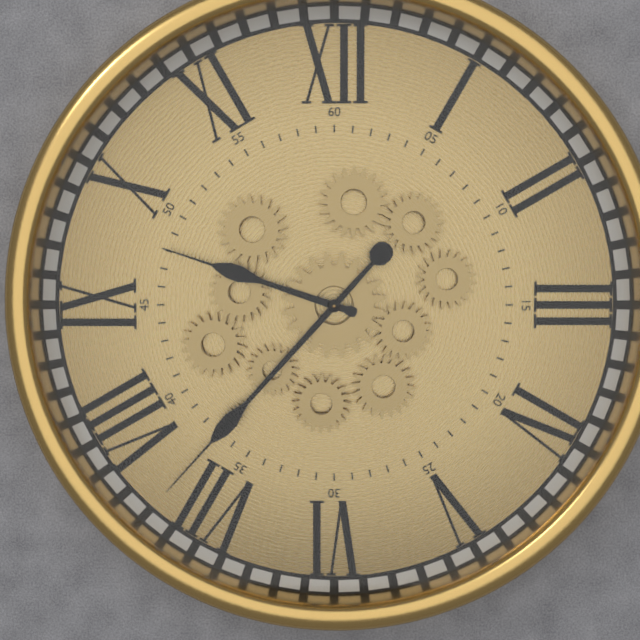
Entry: 9h37
